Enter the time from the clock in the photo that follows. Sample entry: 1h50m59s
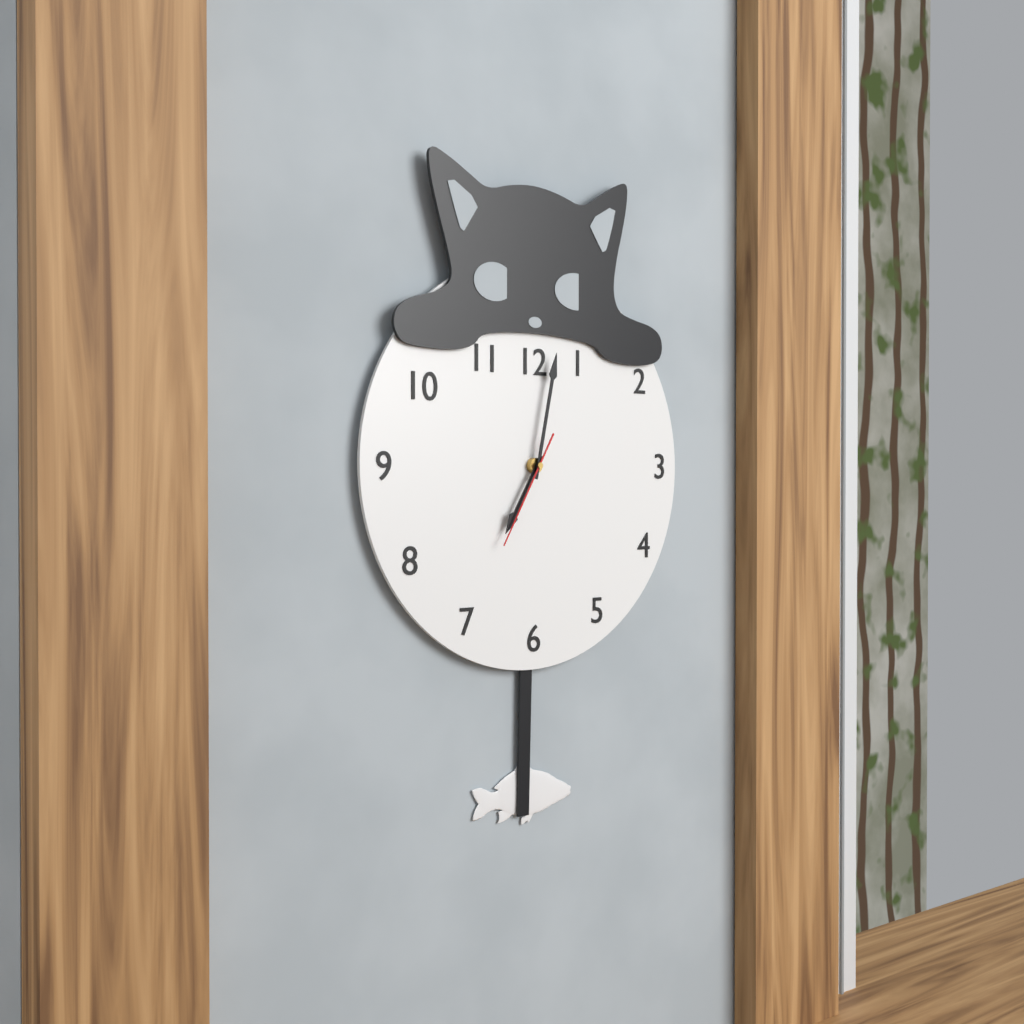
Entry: 7h02m35s
